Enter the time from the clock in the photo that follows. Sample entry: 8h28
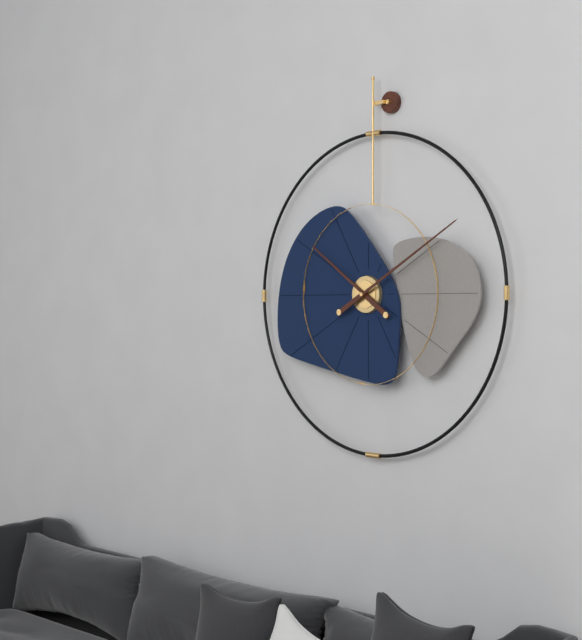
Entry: 10h10
